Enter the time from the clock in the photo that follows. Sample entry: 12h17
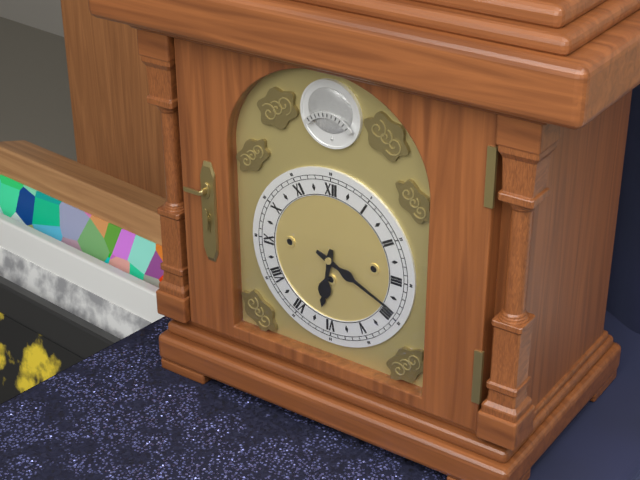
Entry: 6h19
